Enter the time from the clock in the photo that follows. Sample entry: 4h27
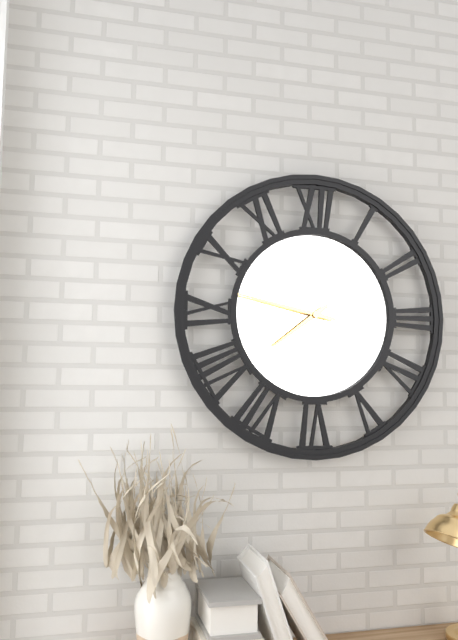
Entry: 7h47
